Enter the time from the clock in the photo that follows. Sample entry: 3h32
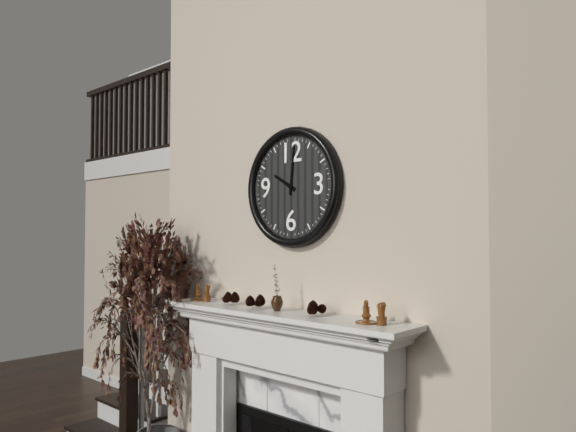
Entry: 10h01
